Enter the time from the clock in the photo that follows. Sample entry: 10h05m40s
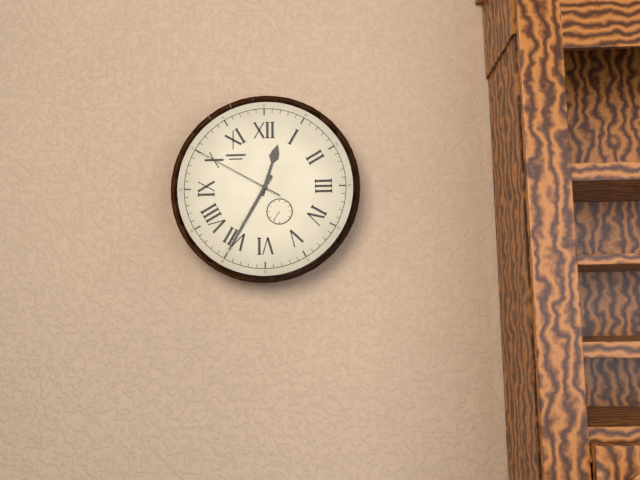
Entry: 12h35m50s
